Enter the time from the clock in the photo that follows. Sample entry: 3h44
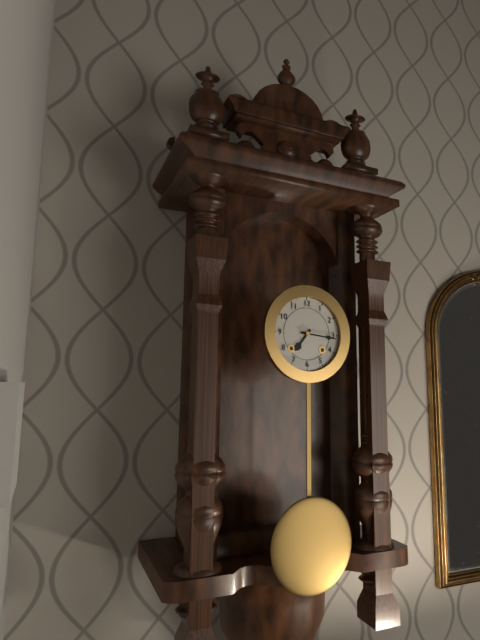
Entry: 7h16
